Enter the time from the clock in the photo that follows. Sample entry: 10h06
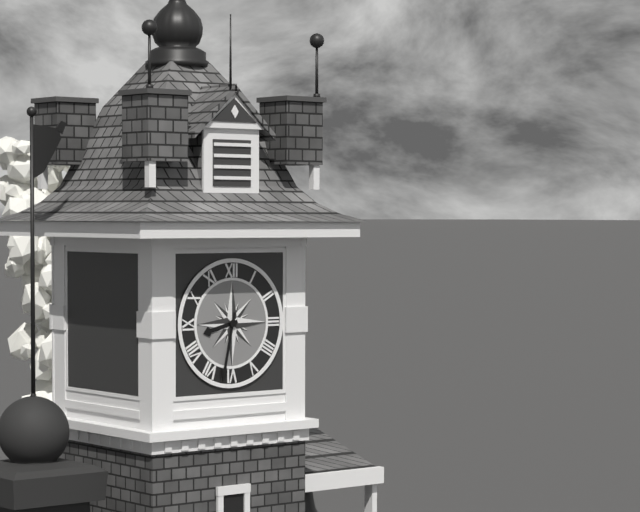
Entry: 8h32
